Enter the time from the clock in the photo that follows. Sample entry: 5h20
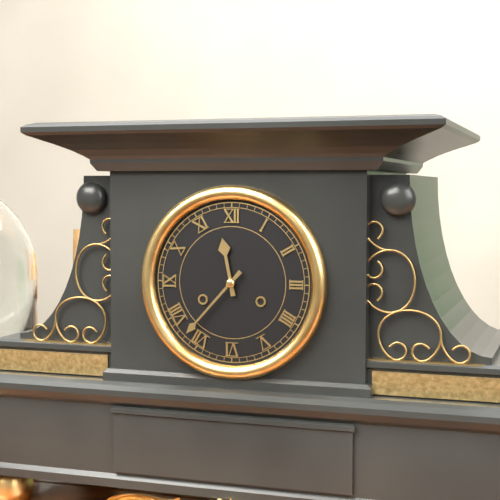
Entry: 11h37
